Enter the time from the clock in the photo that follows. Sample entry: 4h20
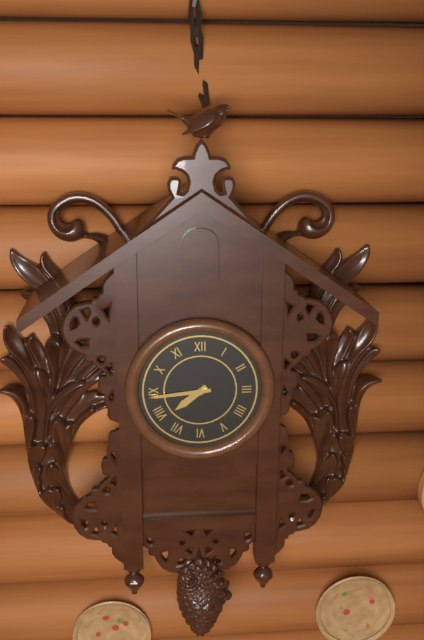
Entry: 7h44
